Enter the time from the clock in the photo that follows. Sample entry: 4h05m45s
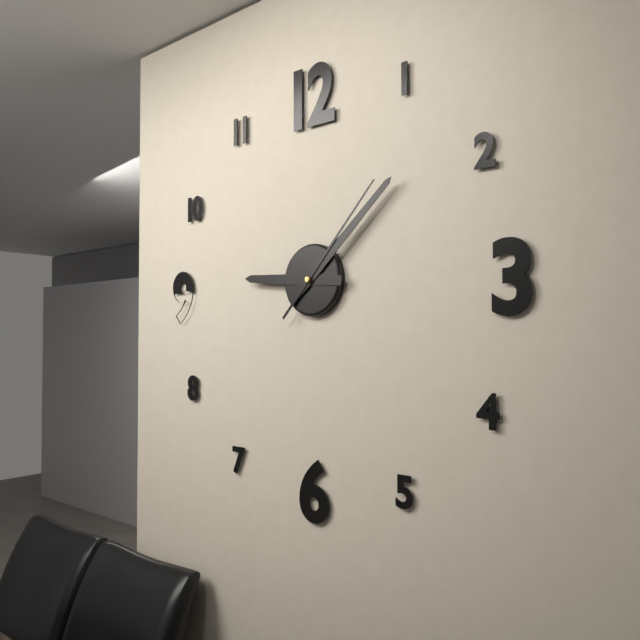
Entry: 9h08m07s
